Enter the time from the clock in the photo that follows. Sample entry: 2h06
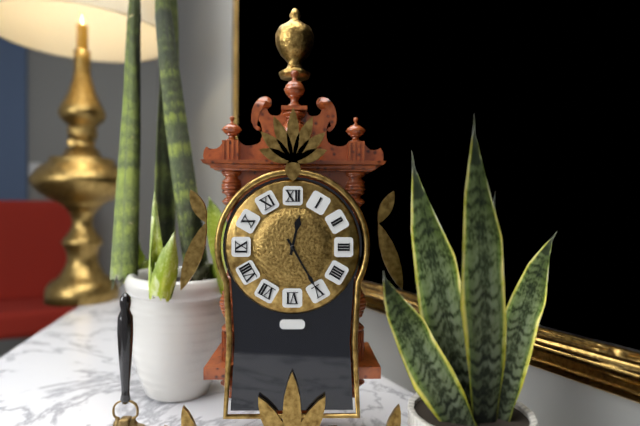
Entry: 12h25
